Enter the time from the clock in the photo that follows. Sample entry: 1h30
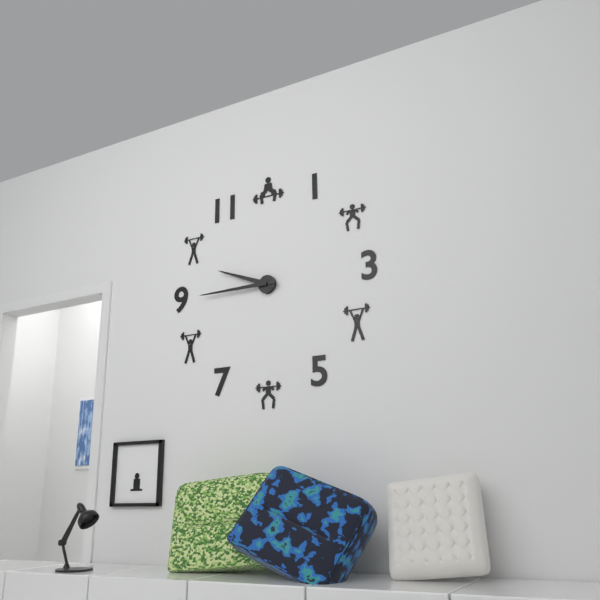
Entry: 9h45
